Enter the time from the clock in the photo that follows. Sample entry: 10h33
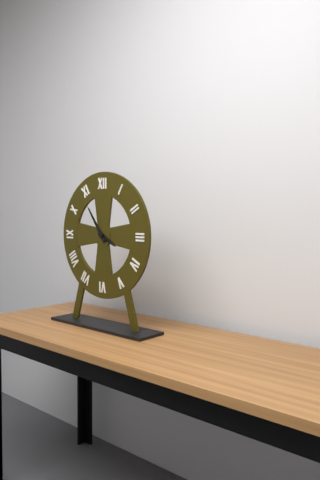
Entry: 3h54
